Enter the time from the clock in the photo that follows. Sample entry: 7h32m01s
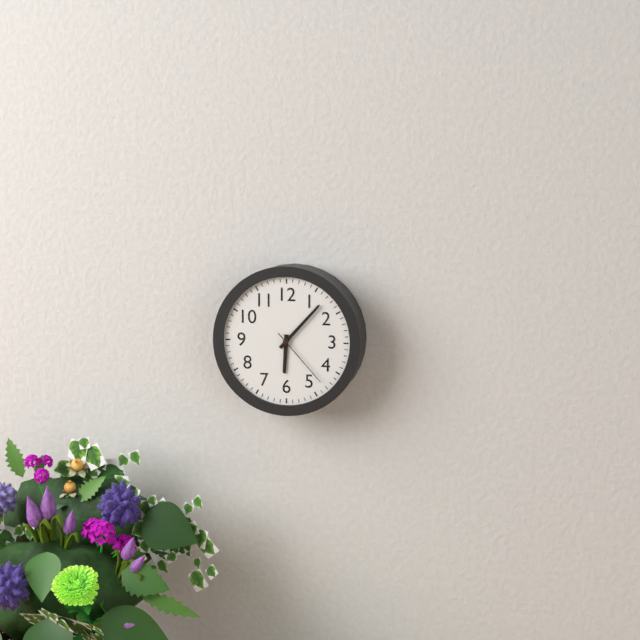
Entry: 6h07m23s
